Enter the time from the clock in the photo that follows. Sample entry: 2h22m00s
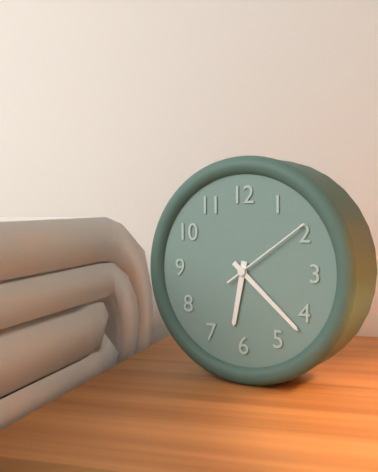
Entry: 6h22m09s
